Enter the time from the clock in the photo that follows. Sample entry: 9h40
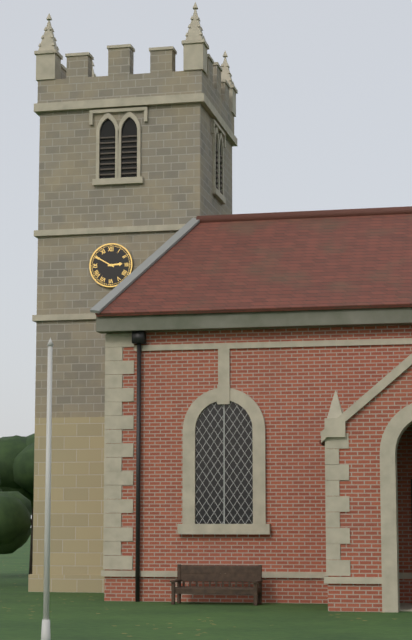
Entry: 2h50
